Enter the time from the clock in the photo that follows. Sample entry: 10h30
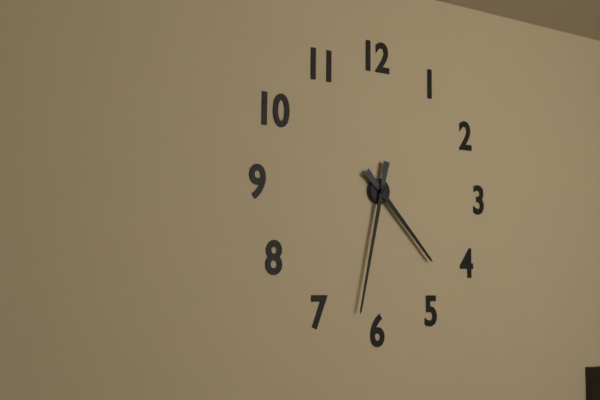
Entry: 4h32
